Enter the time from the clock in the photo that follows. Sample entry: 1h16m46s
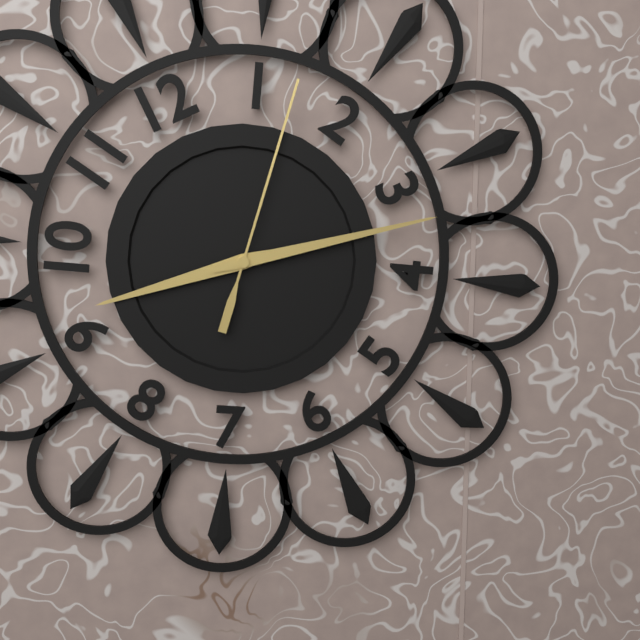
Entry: 9h17m07s
